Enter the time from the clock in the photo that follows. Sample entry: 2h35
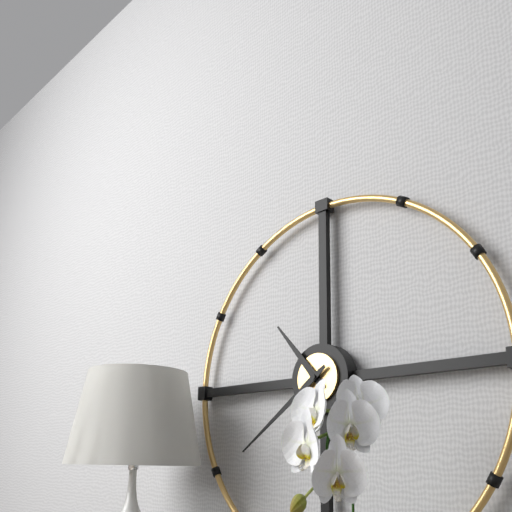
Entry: 10h39
